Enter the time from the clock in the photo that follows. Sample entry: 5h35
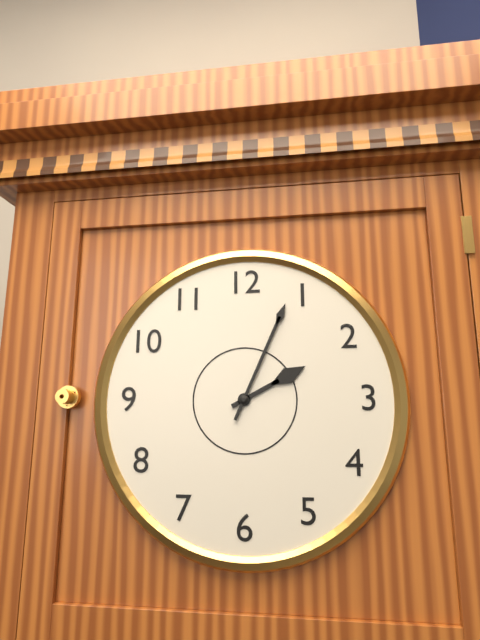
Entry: 2h04
